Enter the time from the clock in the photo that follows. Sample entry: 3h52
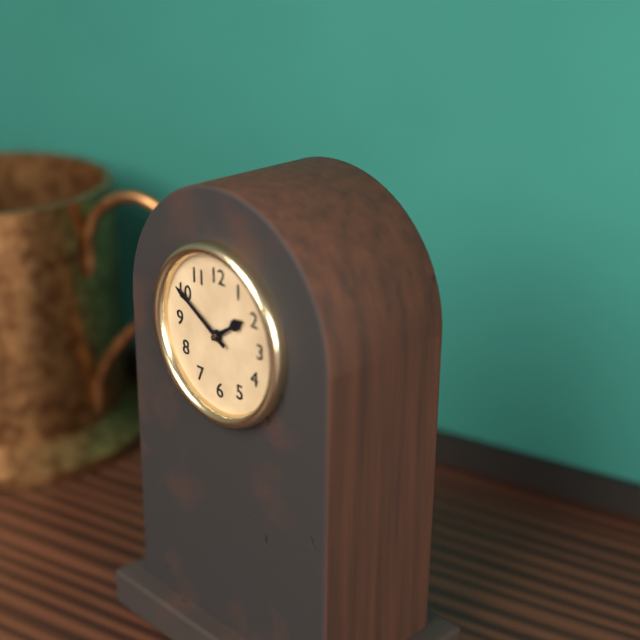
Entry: 1h50
